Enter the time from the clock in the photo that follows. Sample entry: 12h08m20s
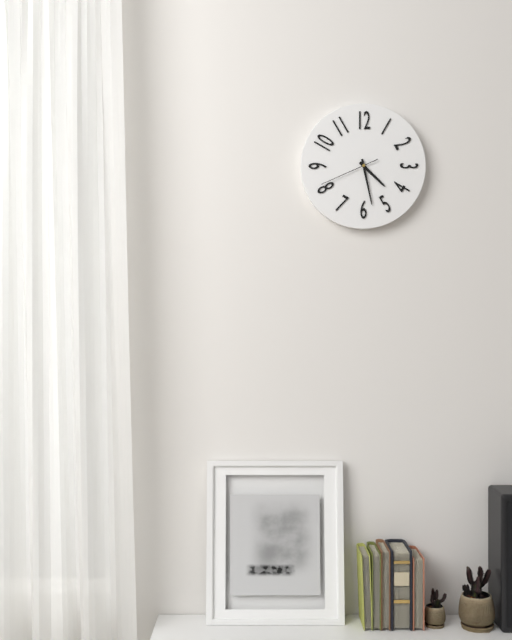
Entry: 4h28m41s
